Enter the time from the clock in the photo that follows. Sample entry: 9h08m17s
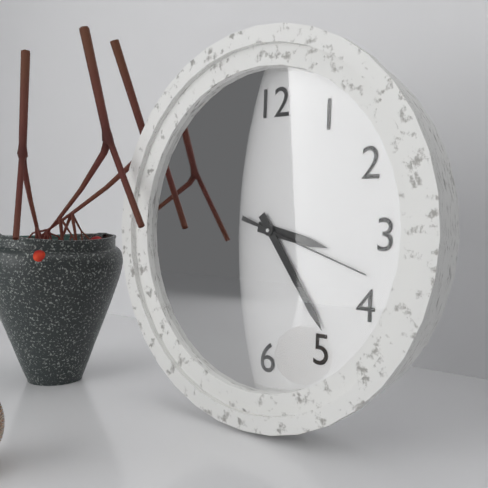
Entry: 3h24m18s
